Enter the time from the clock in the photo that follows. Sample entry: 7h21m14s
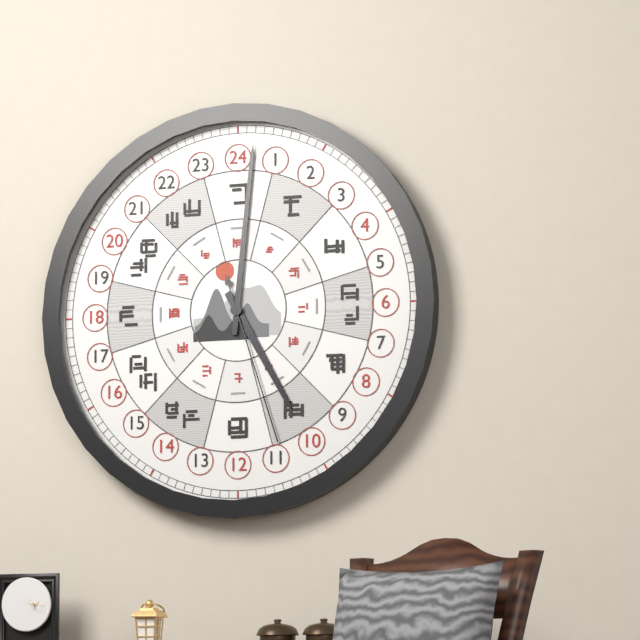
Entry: 5h01m27s
